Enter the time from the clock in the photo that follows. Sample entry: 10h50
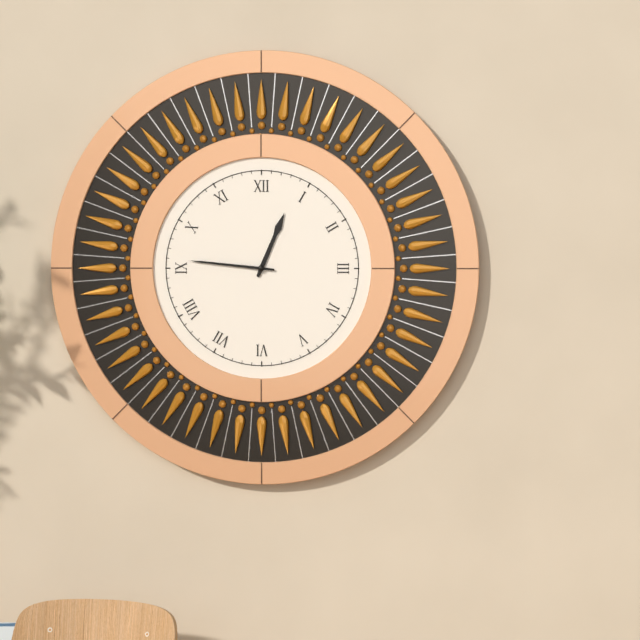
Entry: 12h46
